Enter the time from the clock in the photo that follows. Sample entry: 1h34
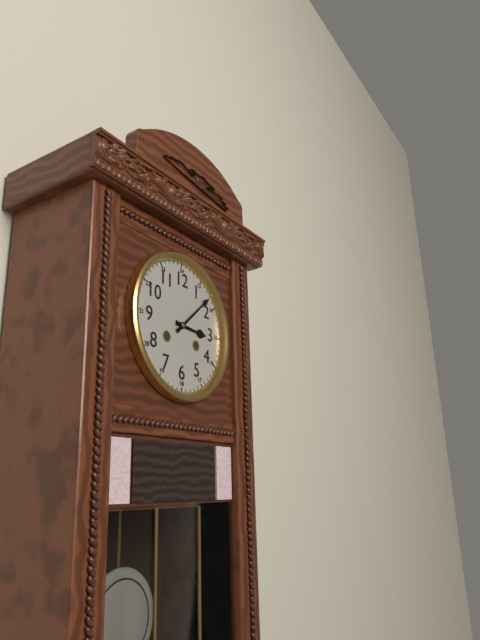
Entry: 3h08
